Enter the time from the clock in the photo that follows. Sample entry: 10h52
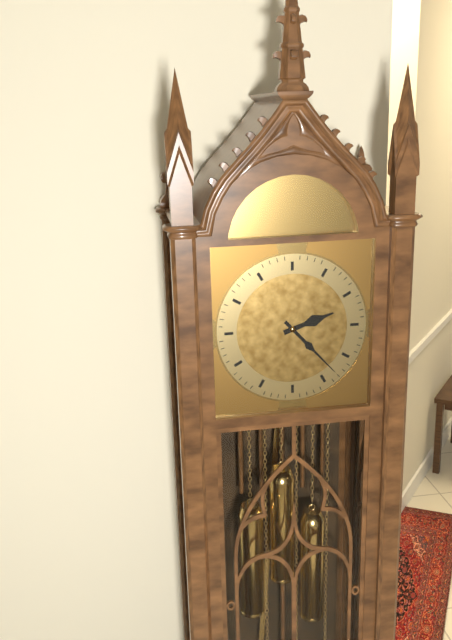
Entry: 2h23
